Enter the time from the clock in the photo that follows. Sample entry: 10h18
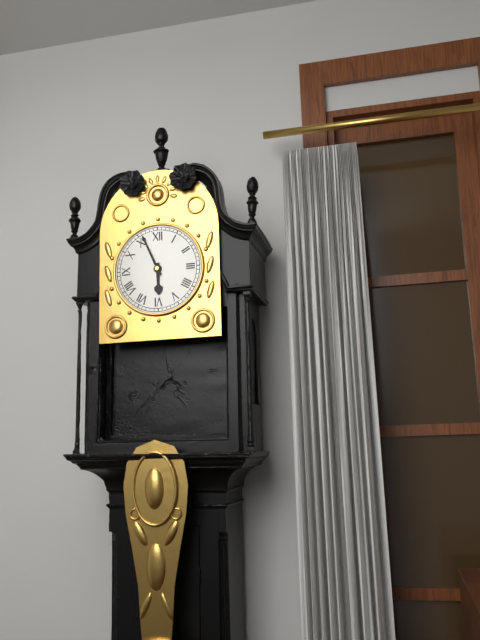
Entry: 5h56
